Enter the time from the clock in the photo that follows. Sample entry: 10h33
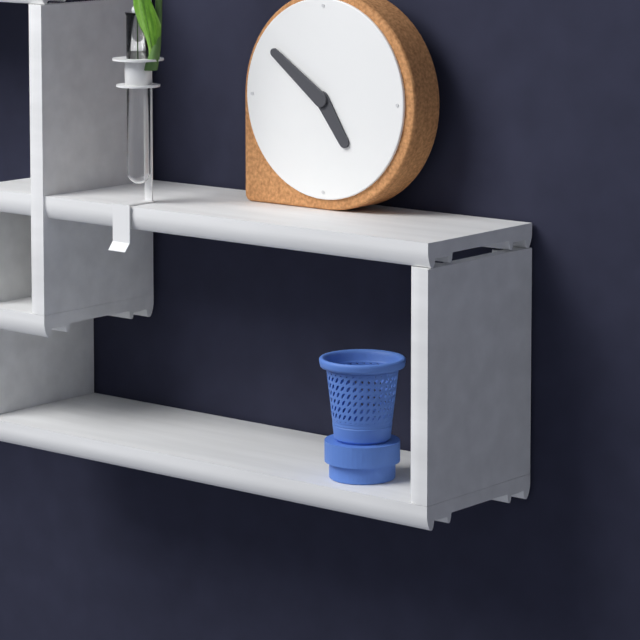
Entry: 4h51
